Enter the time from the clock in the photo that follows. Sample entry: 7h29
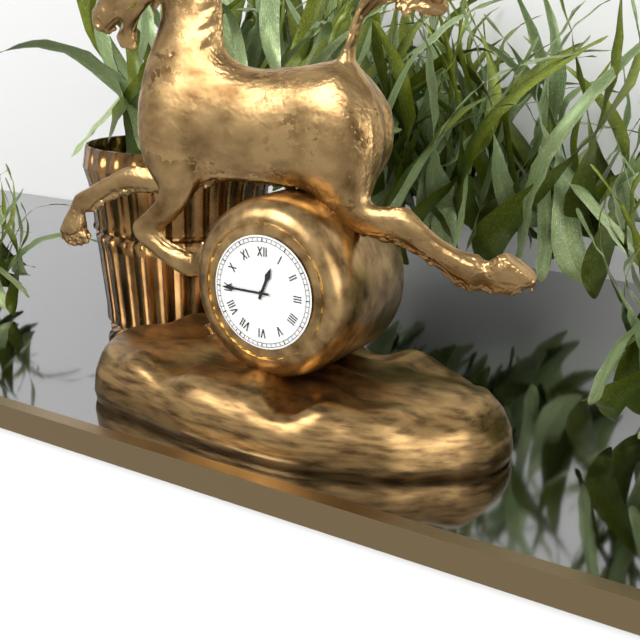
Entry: 12h45
